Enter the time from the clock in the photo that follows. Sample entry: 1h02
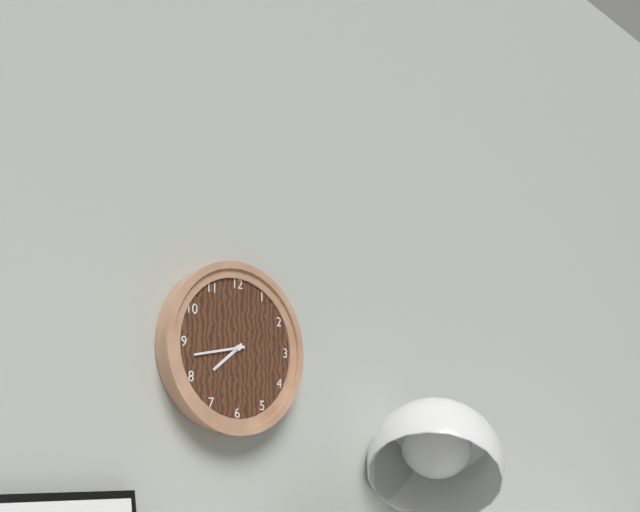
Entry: 7h43
